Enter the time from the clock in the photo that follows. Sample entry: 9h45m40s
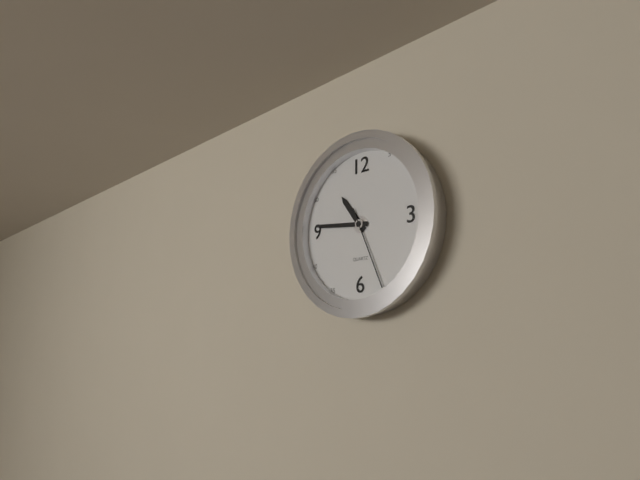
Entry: 10h46m26s
